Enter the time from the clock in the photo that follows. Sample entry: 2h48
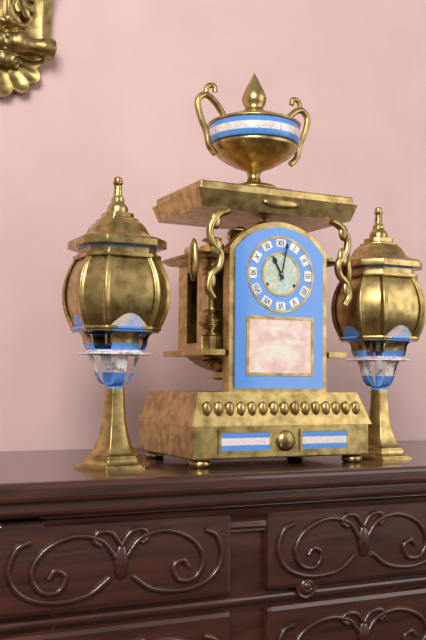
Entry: 11h02
